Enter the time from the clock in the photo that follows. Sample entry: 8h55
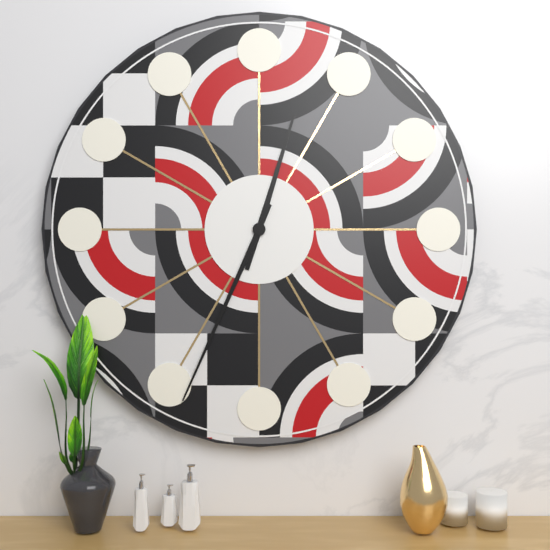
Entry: 12h34
